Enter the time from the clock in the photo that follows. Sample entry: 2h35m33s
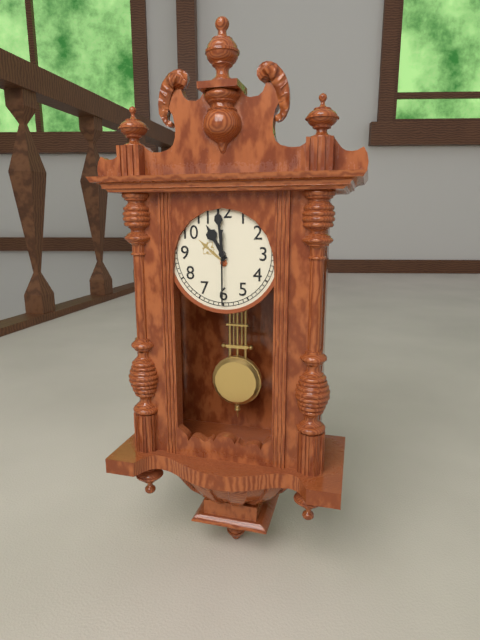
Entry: 10h59m30s
